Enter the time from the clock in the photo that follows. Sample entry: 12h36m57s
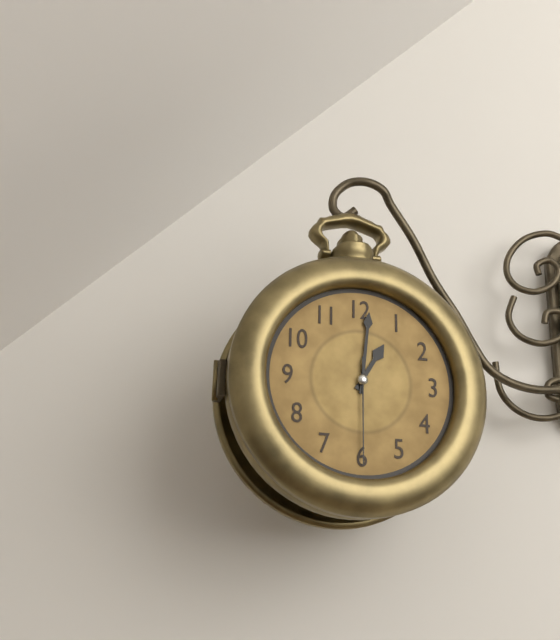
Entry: 1h01m30s
